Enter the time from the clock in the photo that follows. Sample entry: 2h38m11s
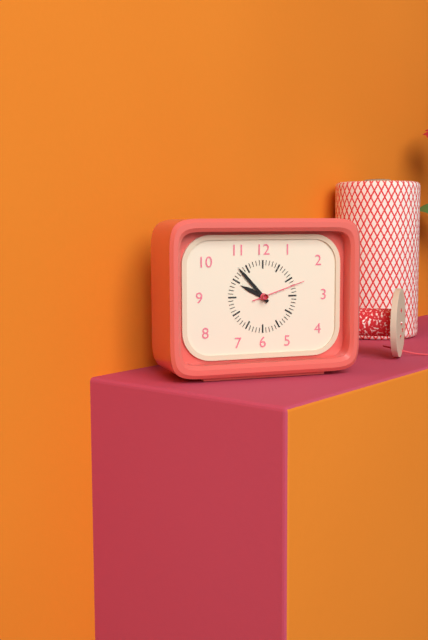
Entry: 9h53m12s
